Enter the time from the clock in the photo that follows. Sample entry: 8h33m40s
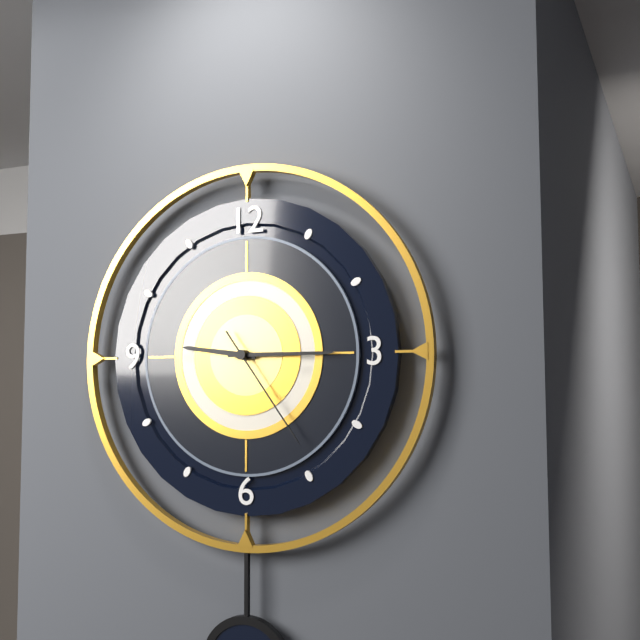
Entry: 9h15m24s
